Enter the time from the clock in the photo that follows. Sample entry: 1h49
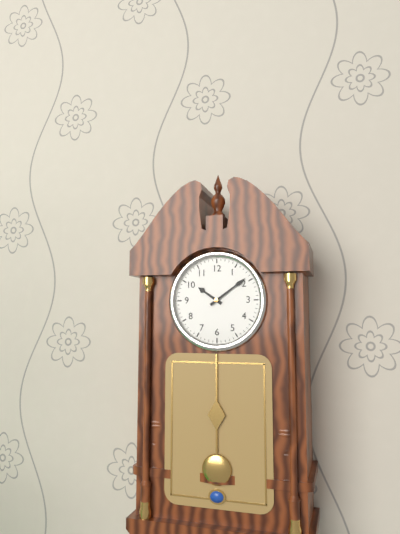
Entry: 10h09
